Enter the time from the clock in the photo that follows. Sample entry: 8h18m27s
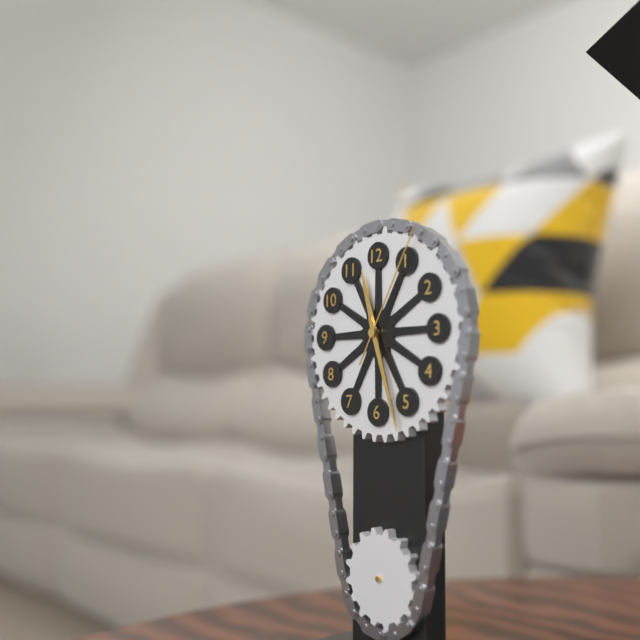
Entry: 11h27m05s
